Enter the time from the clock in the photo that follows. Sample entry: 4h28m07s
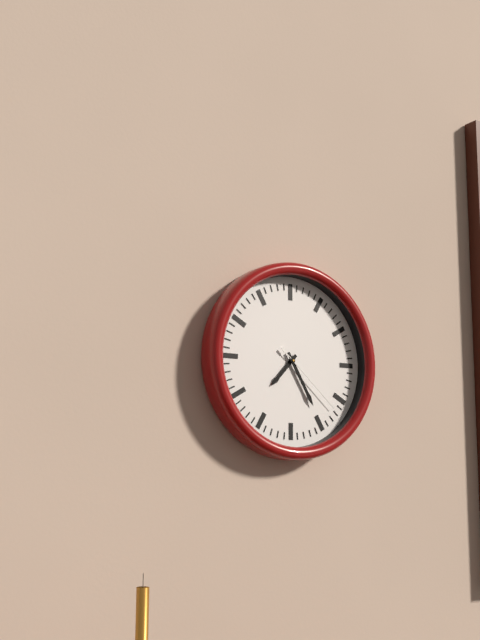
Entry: 7h25m22s
